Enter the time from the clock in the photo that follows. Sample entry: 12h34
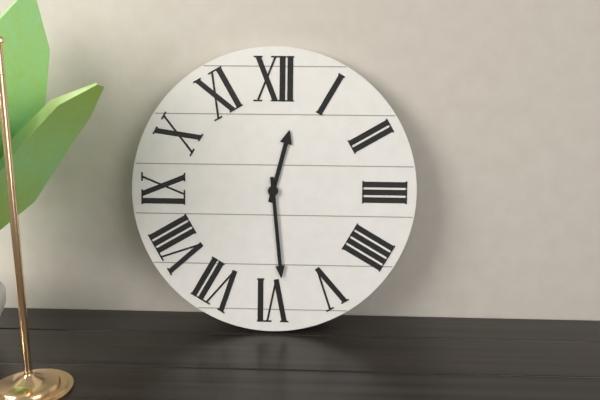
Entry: 12h29
